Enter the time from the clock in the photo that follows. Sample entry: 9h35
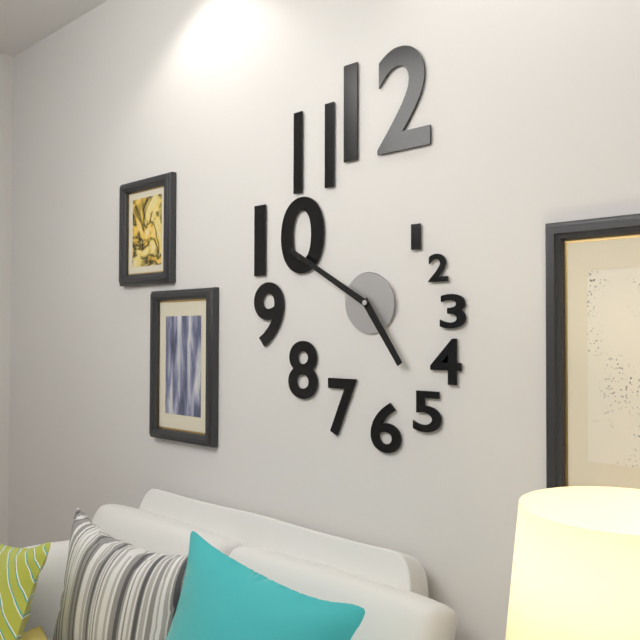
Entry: 4h50
